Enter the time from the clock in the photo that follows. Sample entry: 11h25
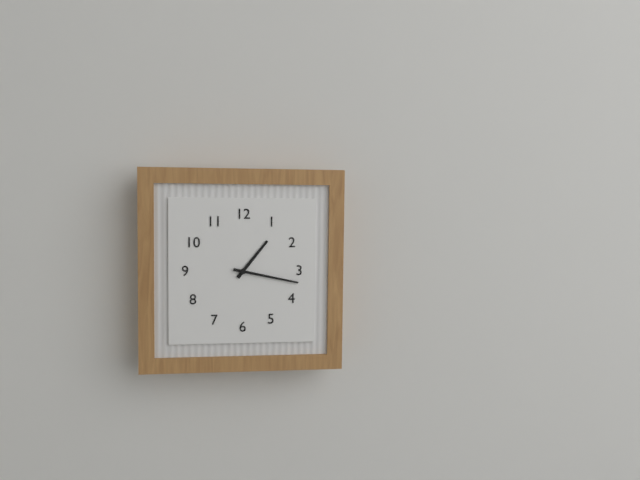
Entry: 1h17
